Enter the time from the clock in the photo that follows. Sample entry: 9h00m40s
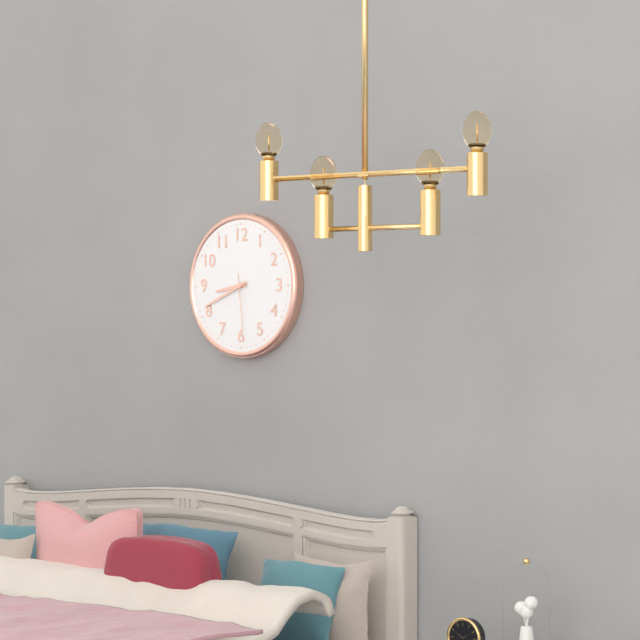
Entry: 8h41m29s
